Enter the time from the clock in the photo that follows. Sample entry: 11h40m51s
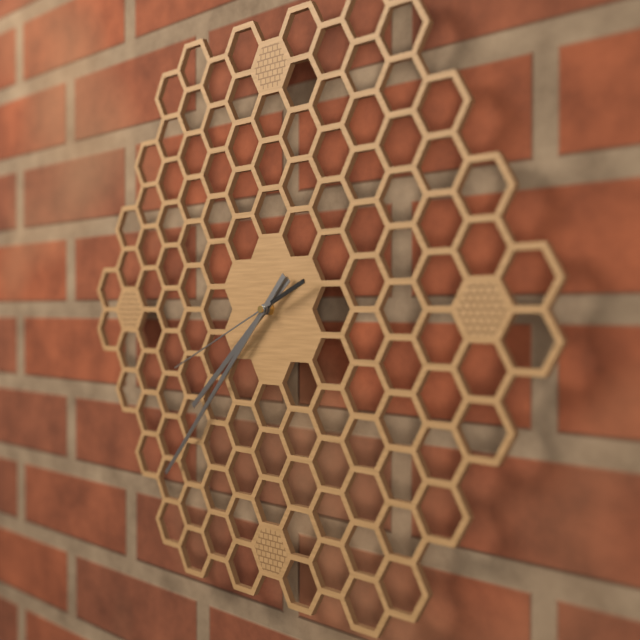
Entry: 7h37m41s
